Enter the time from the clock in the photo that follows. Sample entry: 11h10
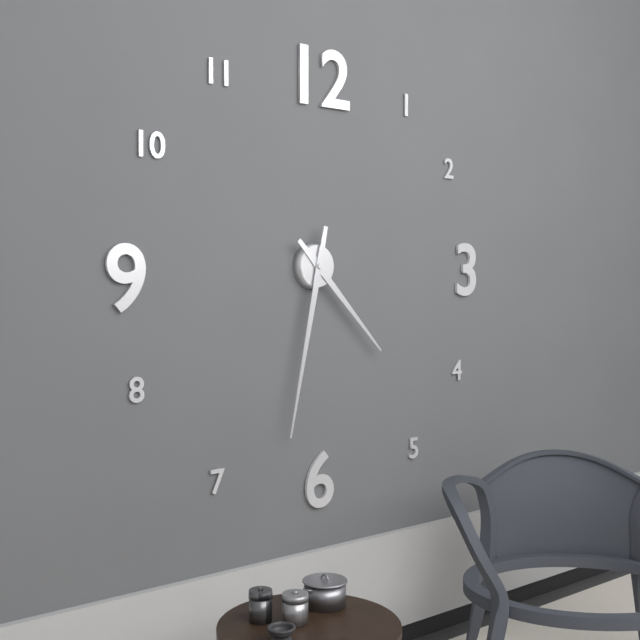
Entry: 4h32
